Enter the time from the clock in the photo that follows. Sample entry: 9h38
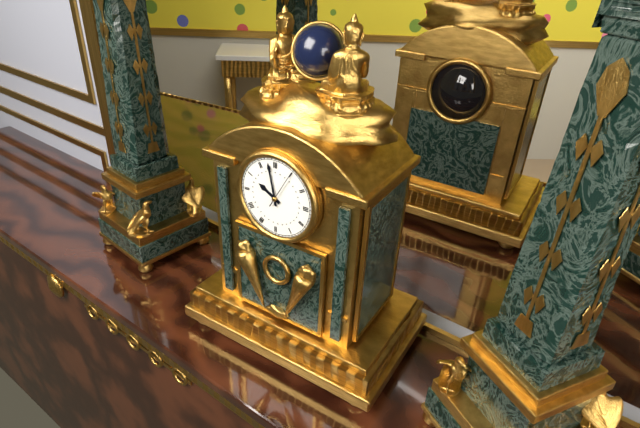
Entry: 9h58
